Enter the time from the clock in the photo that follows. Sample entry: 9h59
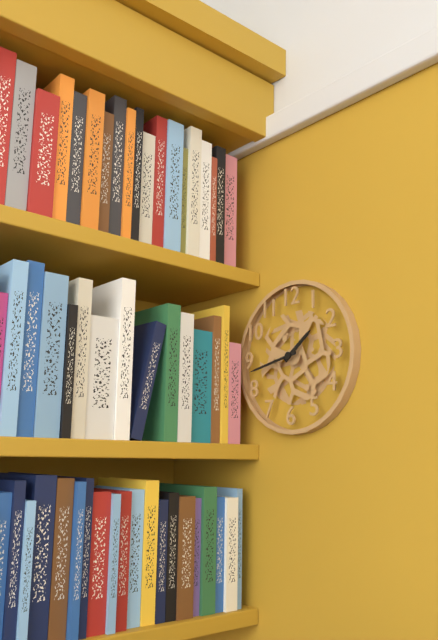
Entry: 1h43
